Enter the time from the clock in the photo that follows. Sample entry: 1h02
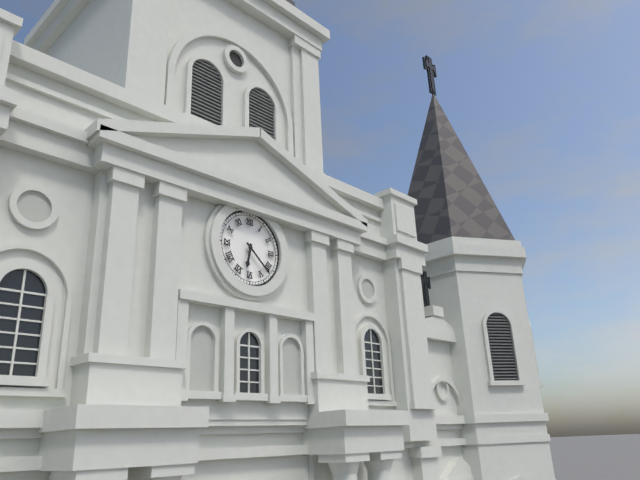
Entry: 6h22
